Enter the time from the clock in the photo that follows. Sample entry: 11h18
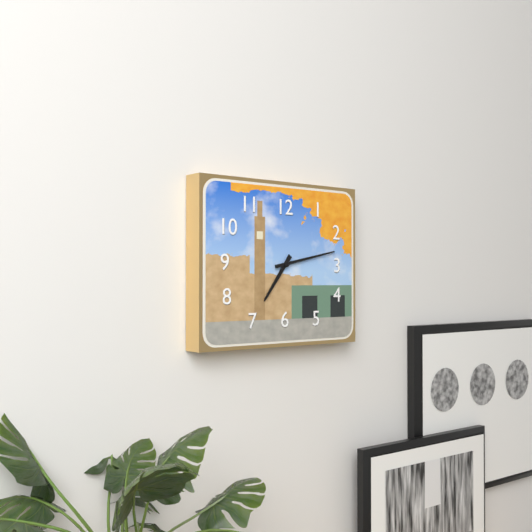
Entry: 7h13
